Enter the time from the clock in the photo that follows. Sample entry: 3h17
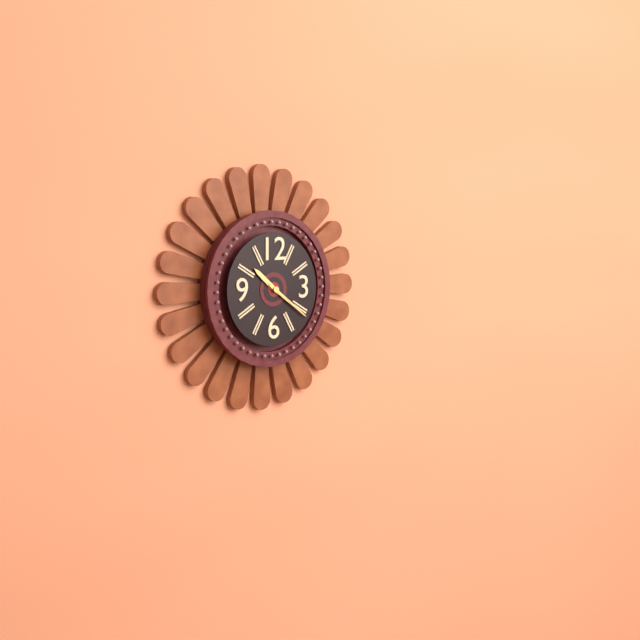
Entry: 10h21
